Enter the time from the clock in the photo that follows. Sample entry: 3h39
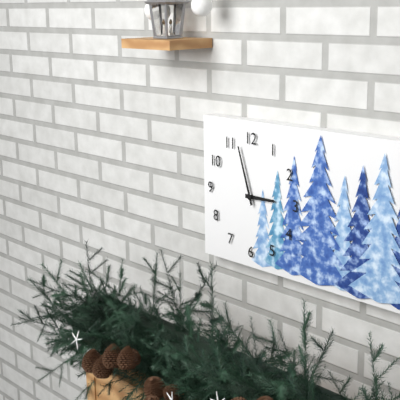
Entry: 2h57
